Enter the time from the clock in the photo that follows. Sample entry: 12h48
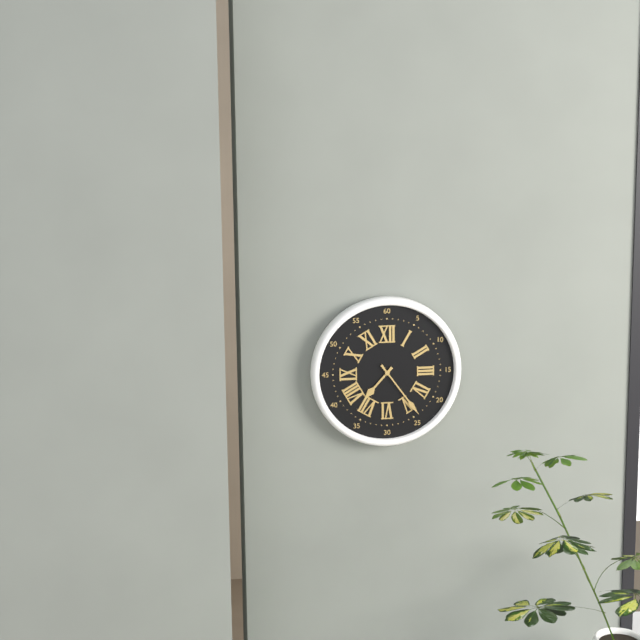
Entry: 7h24
